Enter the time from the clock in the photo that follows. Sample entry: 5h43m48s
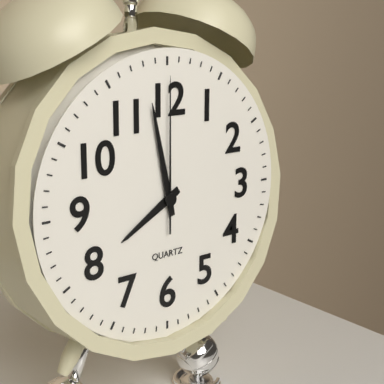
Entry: 7h58m00s
